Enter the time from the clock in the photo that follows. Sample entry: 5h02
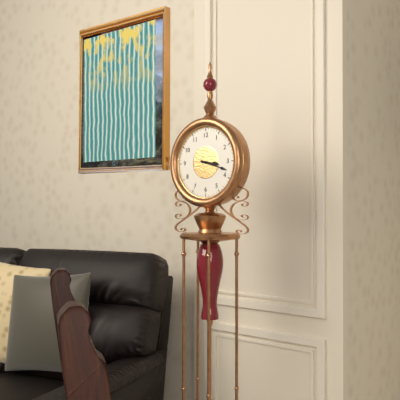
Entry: 3h18
